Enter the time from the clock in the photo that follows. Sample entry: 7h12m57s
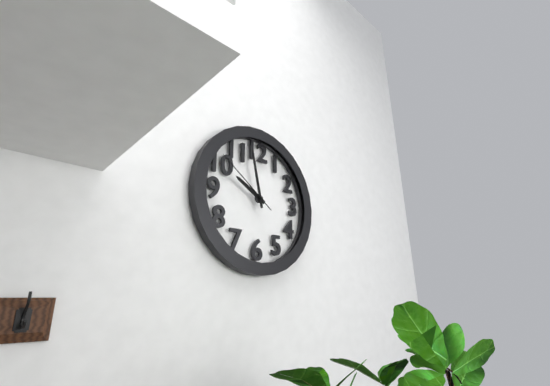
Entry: 9h58m51s
